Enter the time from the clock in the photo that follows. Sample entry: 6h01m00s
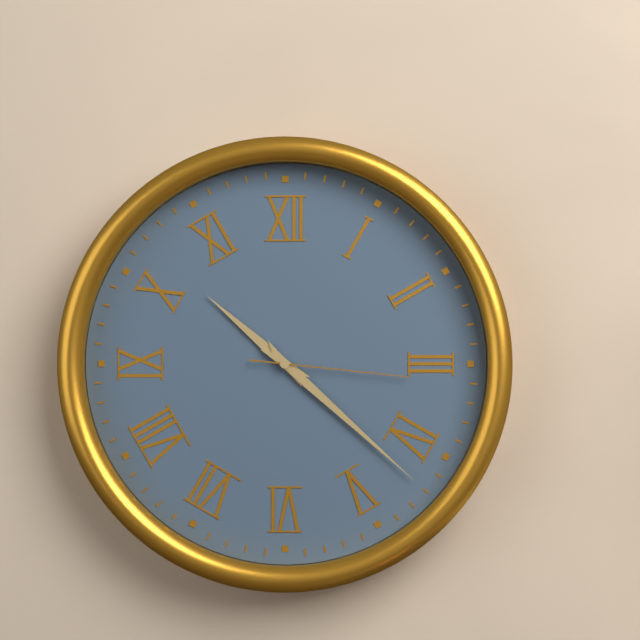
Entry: 10h22m16s
